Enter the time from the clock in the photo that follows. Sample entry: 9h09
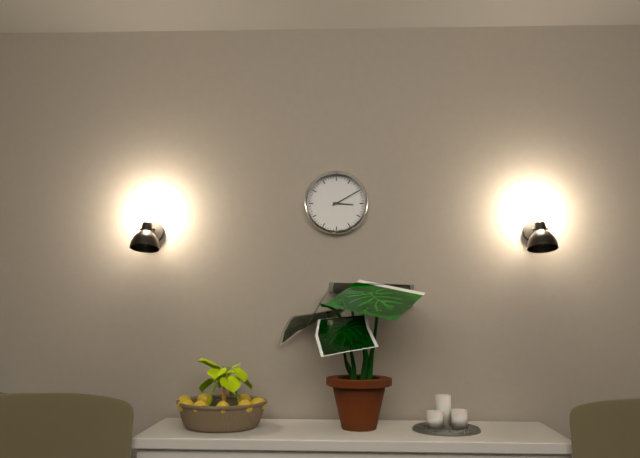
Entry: 3h10
